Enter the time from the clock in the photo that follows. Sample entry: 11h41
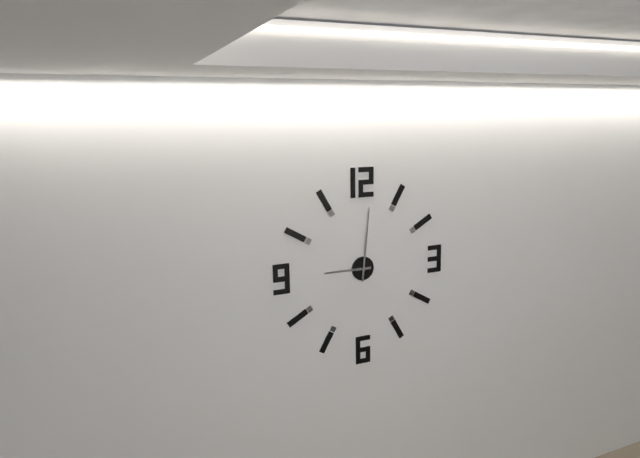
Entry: 9h01
